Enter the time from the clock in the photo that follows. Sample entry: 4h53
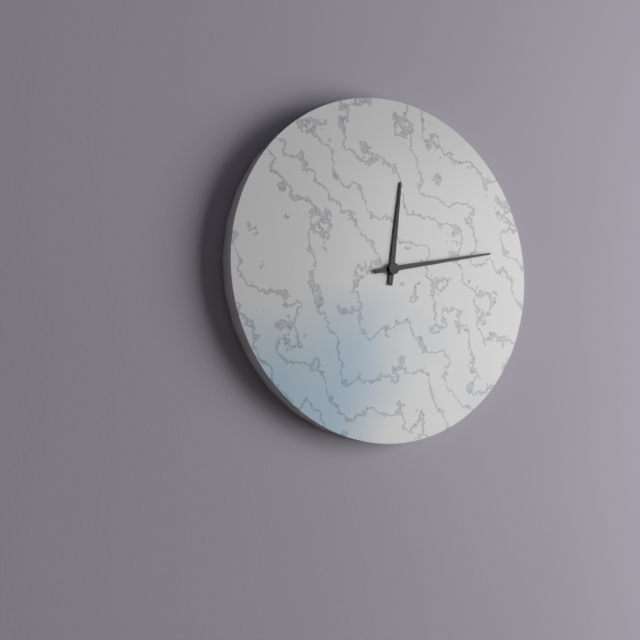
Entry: 12h13
